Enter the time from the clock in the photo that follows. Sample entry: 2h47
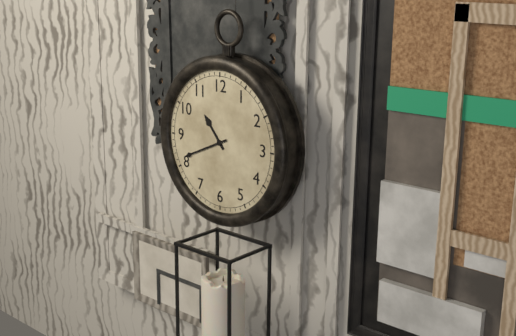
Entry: 10h41
